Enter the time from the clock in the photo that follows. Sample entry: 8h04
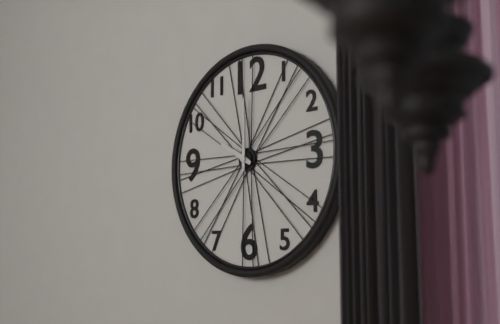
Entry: 10h00
